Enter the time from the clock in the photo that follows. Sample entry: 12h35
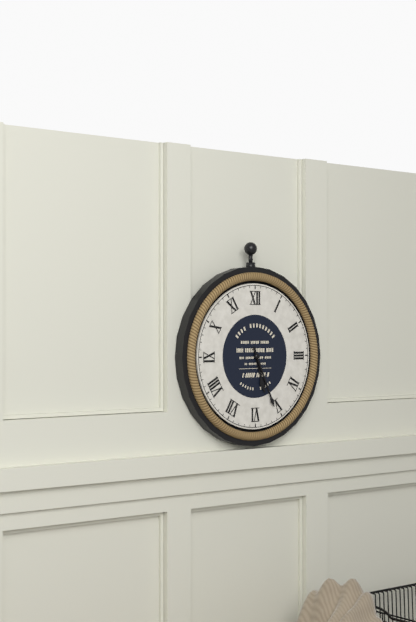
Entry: 5h26
